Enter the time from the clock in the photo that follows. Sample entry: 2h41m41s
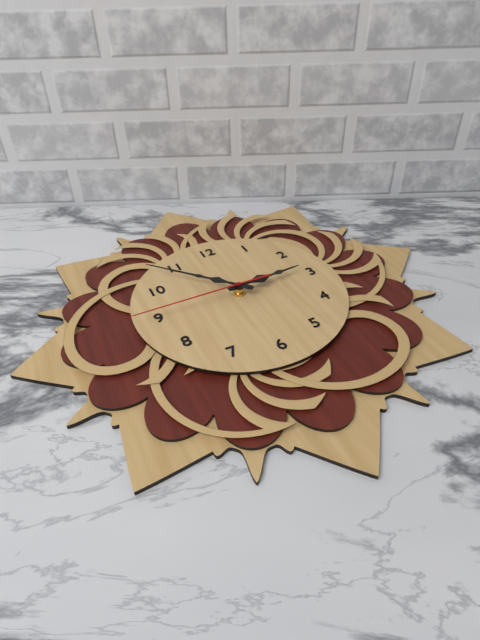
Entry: 2h53m45s
